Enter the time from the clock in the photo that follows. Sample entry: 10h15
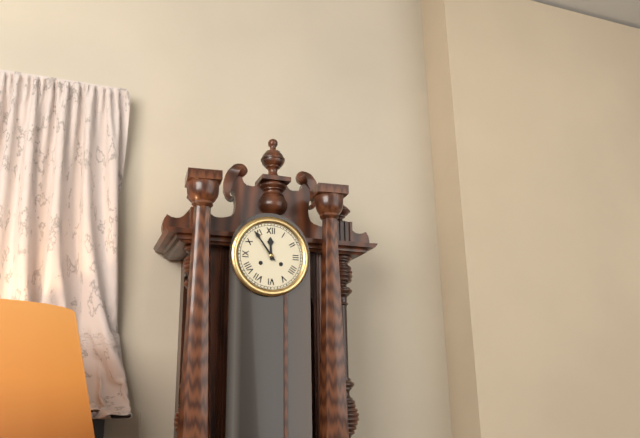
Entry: 11h54
